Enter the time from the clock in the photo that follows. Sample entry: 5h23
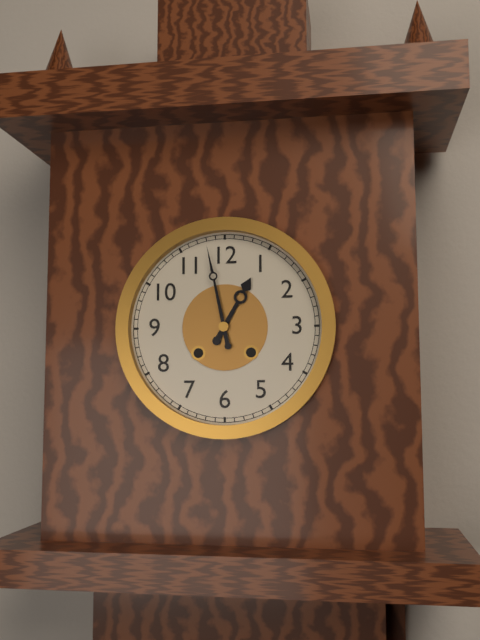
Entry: 12h58
